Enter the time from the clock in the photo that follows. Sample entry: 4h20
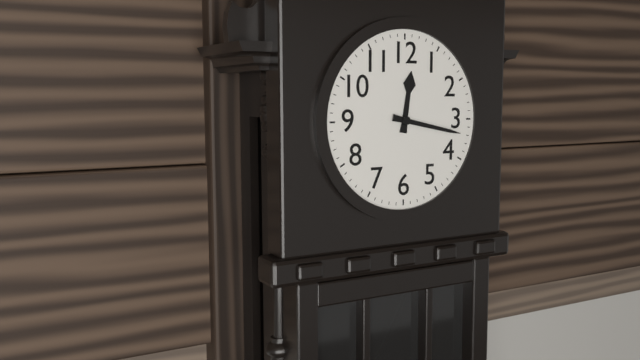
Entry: 12h17
